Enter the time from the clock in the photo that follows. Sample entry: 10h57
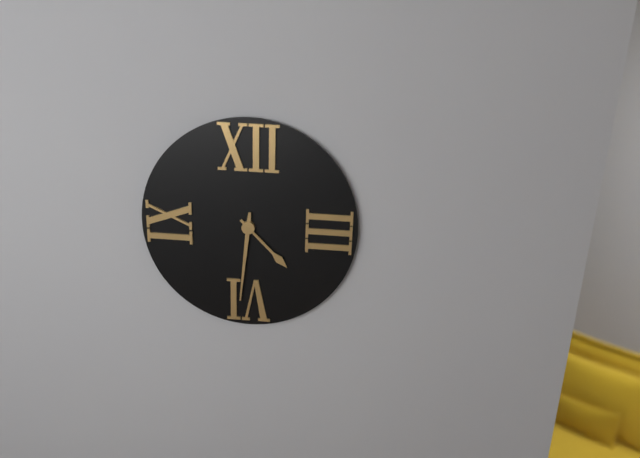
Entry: 4h31
